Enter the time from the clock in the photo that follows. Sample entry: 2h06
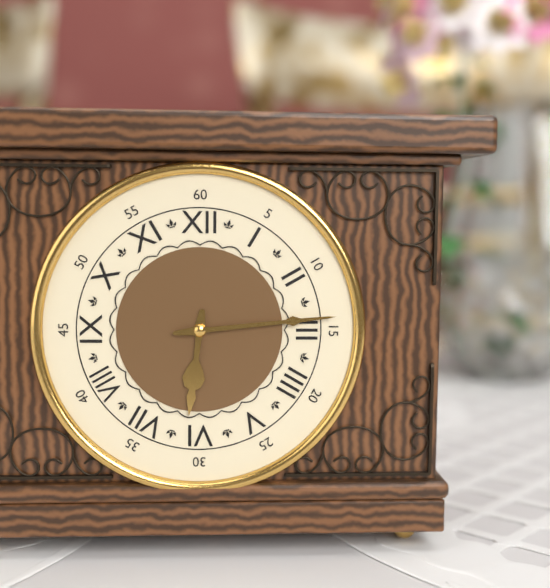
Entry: 6h14
